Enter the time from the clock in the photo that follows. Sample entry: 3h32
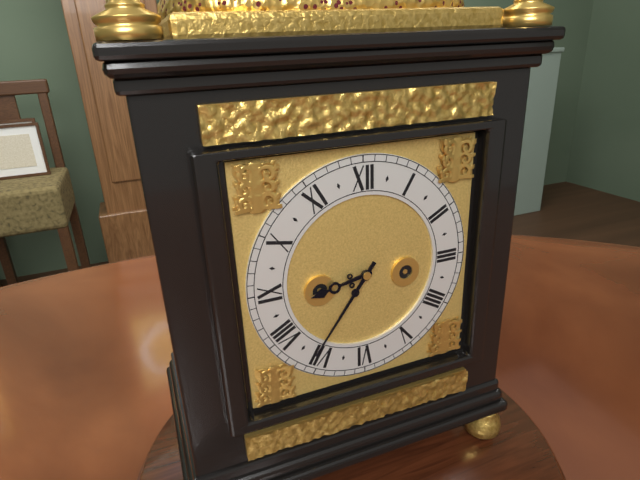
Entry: 8h36
